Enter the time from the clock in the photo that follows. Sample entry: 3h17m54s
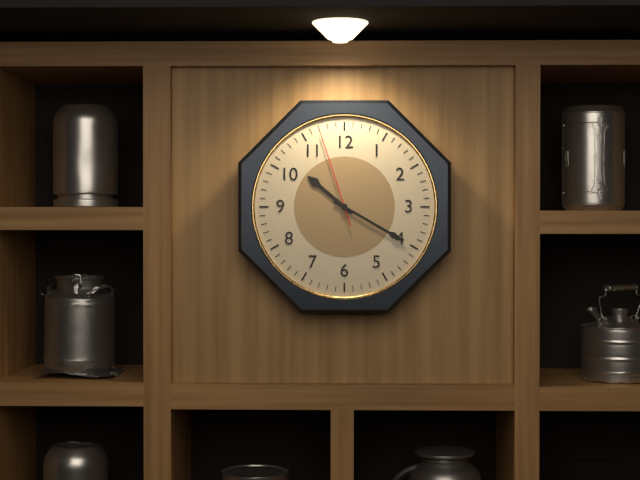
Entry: 10h20m57s
